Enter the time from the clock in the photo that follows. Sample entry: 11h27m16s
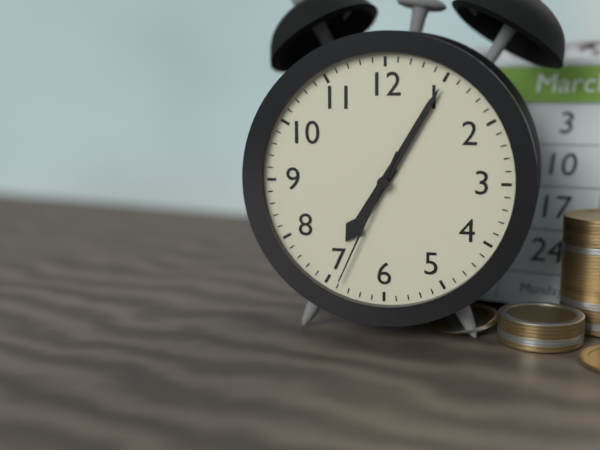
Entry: 7h05m34s
